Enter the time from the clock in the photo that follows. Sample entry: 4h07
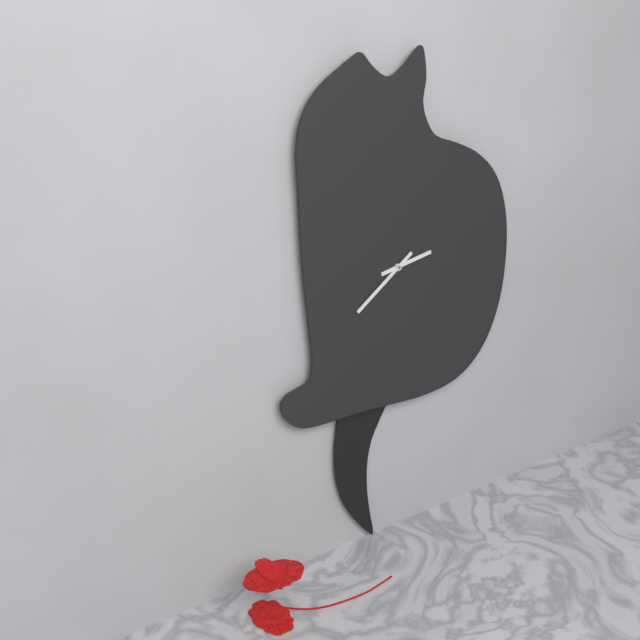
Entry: 2h39
